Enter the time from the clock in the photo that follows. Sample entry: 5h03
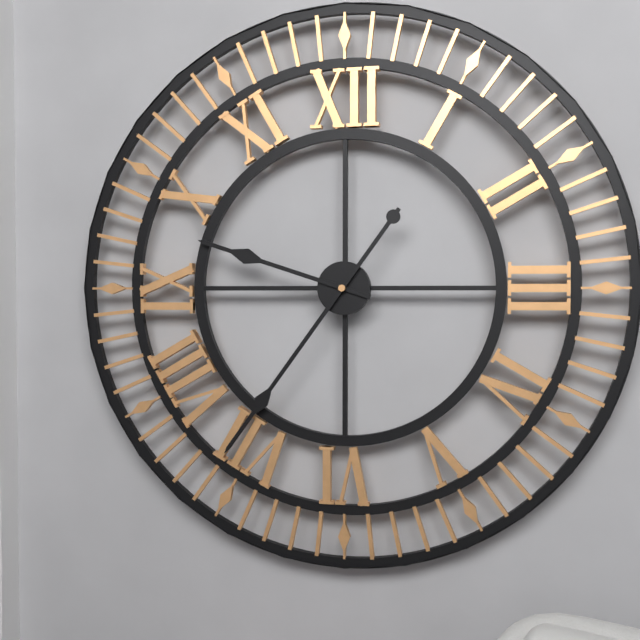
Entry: 9h36
